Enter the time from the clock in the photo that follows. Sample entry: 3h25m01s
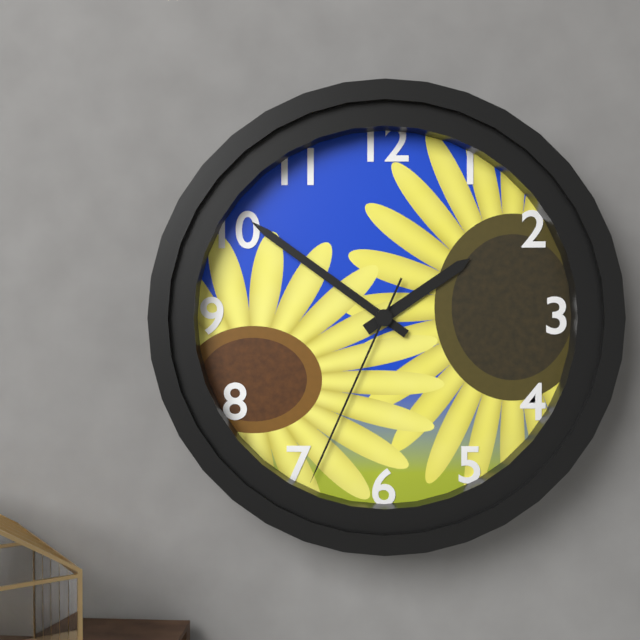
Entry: 1h51m34s
